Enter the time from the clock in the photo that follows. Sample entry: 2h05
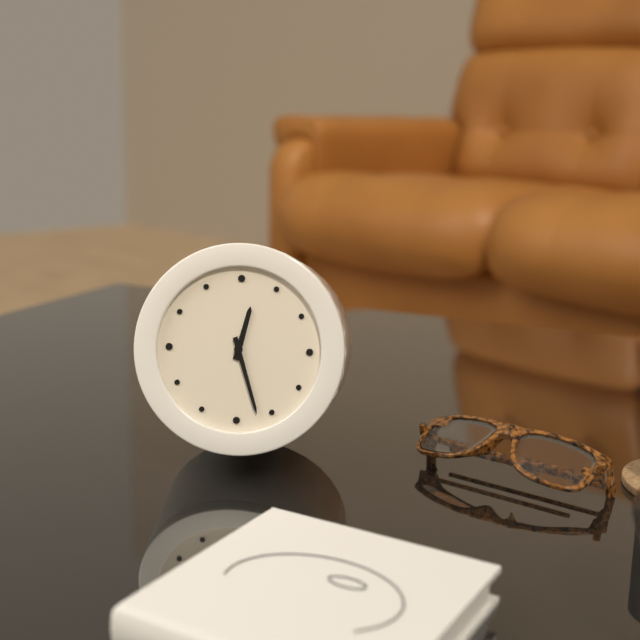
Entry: 12h27
